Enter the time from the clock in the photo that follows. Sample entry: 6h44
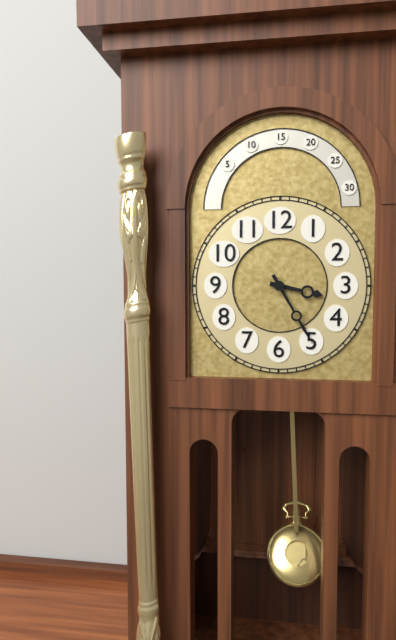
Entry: 3h25
